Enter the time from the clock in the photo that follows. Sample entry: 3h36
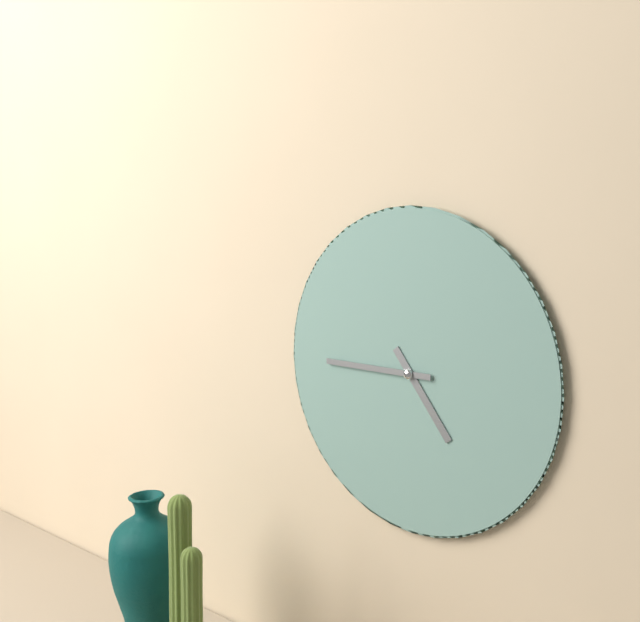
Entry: 4h45
